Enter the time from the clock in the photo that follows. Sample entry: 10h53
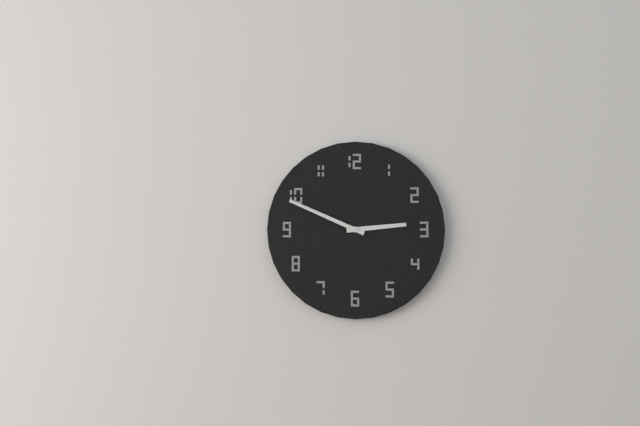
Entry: 2h49
